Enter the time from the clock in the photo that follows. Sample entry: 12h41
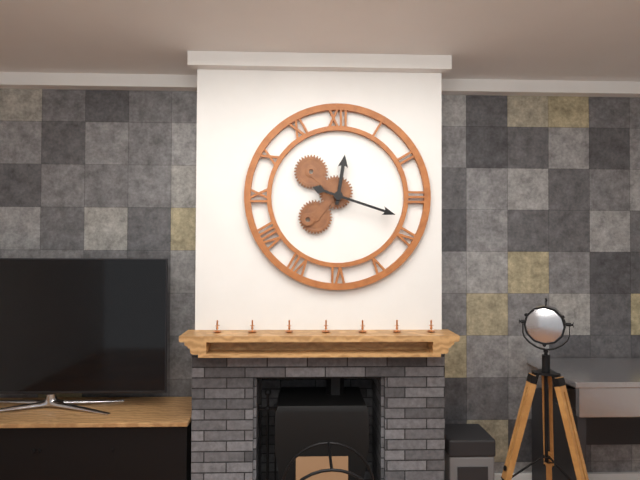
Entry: 12h18
